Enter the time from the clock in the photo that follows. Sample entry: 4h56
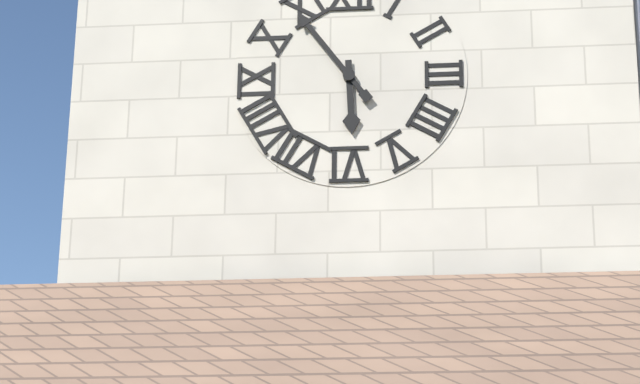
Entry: 5h54
